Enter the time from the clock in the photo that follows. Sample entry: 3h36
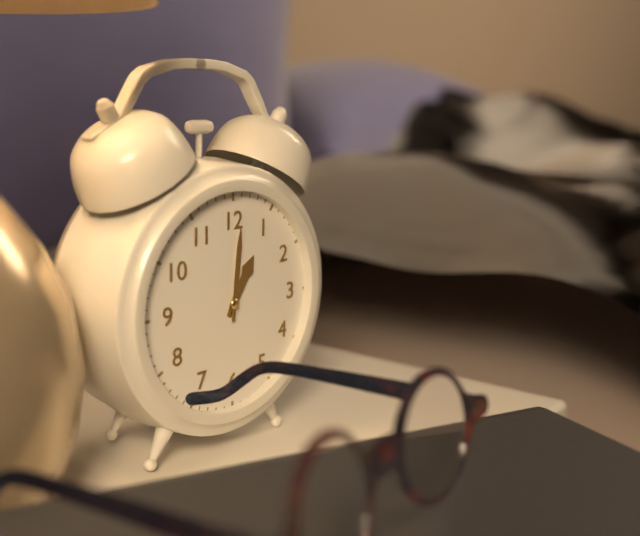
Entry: 1h01
